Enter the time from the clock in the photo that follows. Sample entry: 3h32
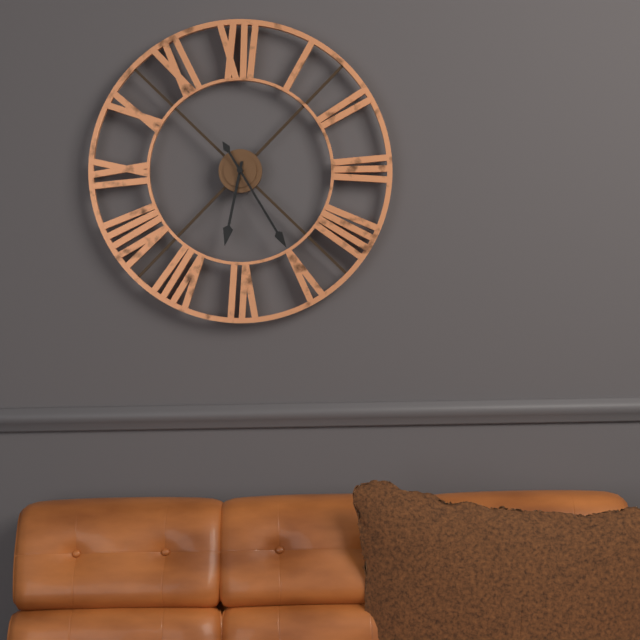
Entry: 6h25
